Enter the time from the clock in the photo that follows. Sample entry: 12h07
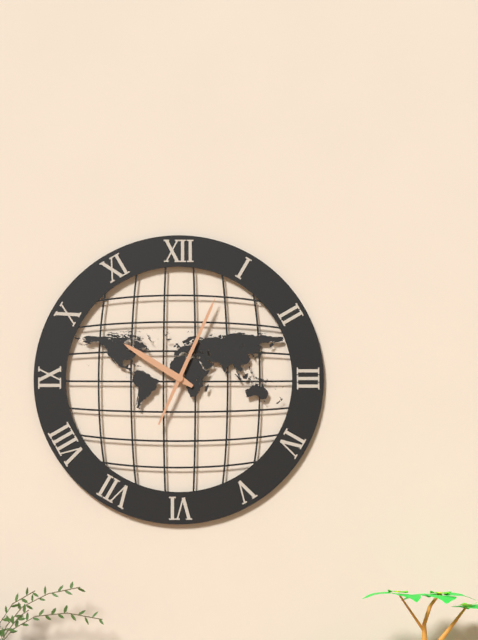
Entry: 10h04
